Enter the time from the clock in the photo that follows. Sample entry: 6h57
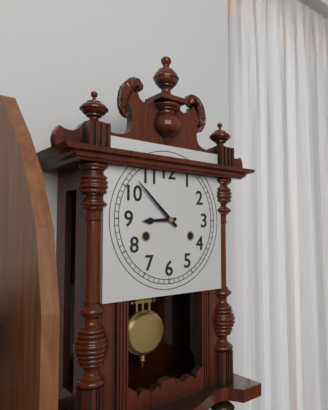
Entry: 8h52
